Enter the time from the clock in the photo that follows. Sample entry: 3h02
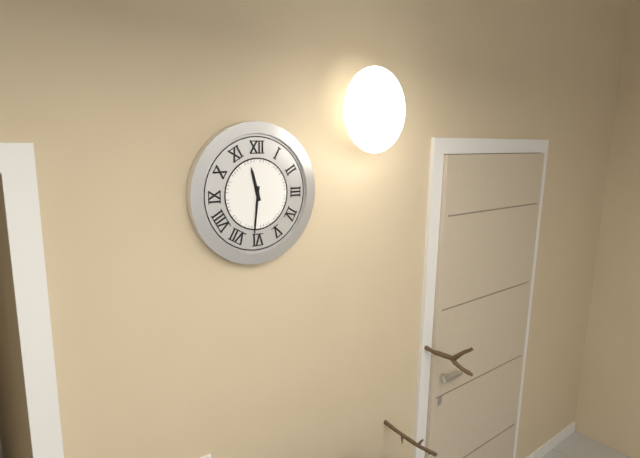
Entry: 11h31
